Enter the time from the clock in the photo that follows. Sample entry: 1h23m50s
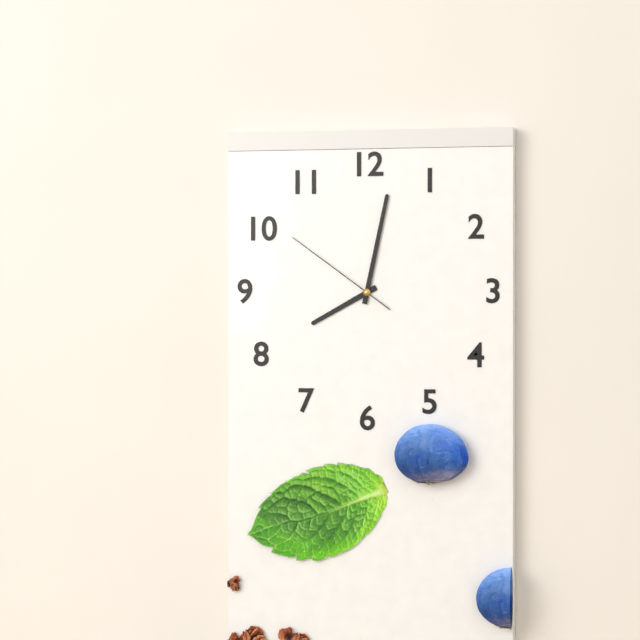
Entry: 8h02m51s
